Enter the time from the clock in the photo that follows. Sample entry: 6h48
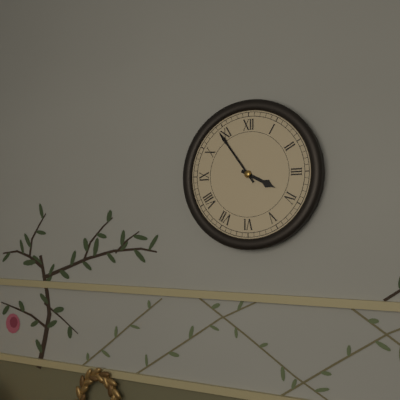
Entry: 3h54
